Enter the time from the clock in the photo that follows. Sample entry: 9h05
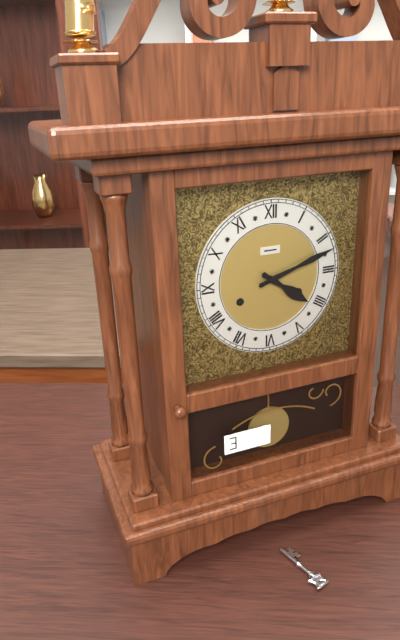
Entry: 4h12
